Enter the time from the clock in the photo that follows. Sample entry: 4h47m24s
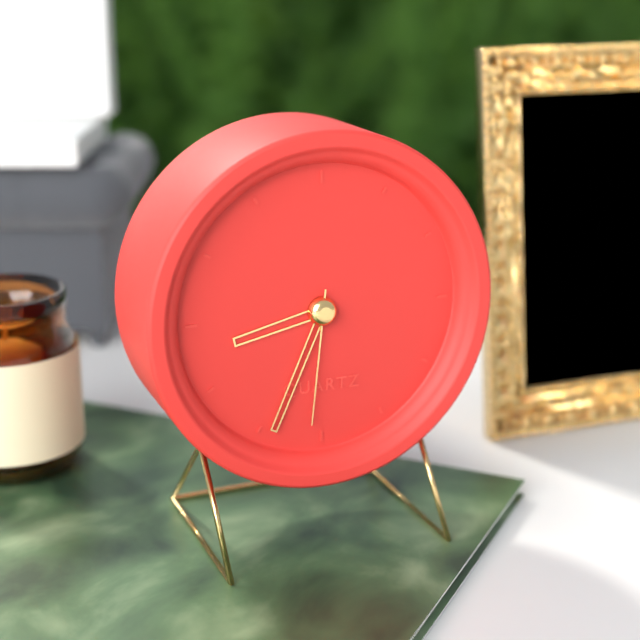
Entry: 8h34m31s
